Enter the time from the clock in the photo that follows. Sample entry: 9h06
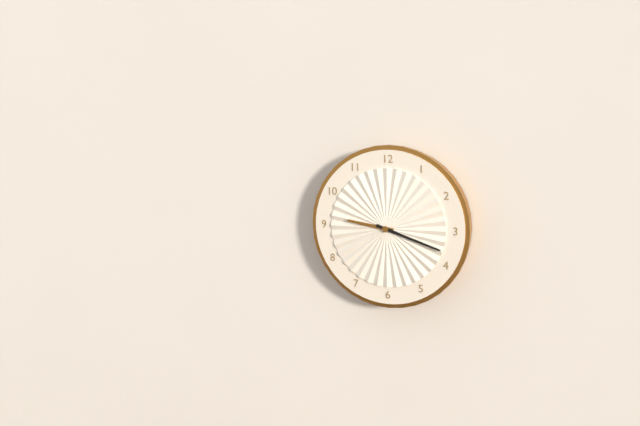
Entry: 9h18
